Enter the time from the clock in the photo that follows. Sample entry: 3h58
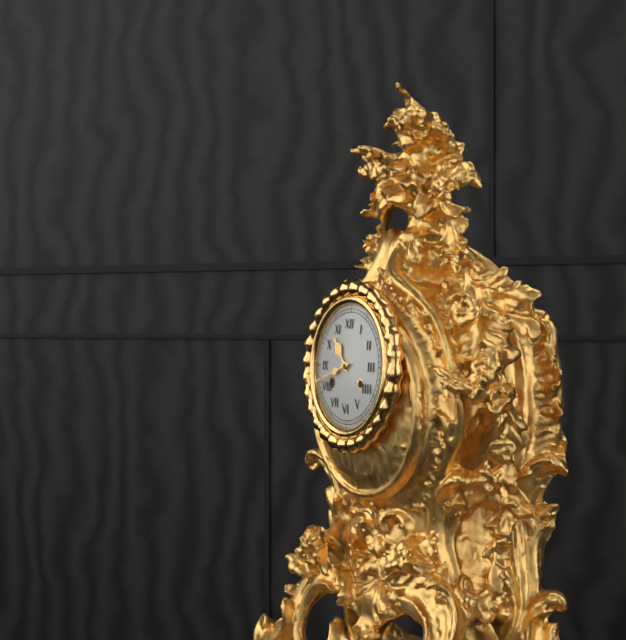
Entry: 10h42
